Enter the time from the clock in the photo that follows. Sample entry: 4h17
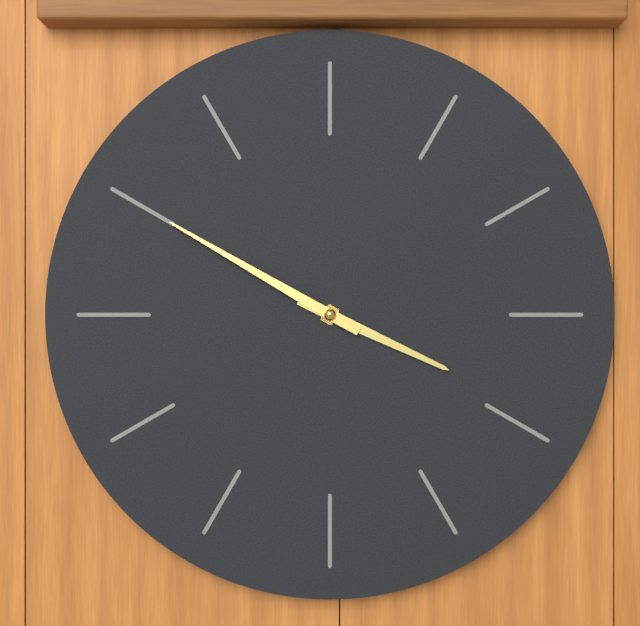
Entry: 3h50
